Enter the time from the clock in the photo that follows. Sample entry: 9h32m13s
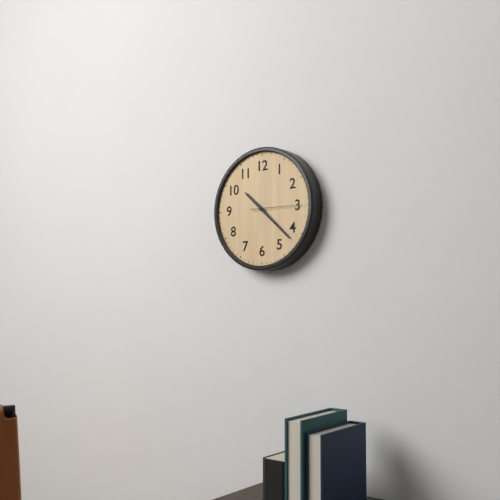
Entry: 10h22m15s
